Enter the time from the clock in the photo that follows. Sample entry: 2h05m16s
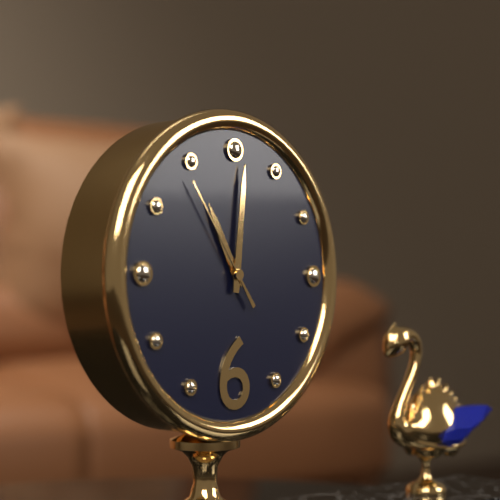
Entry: 11h01m54s
